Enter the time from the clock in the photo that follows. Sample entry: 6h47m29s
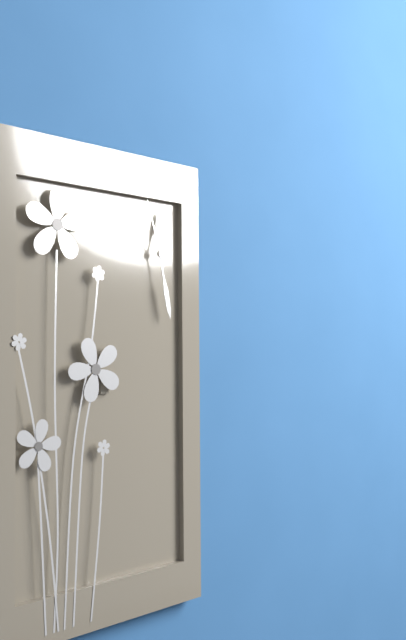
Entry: 12h28m57s
